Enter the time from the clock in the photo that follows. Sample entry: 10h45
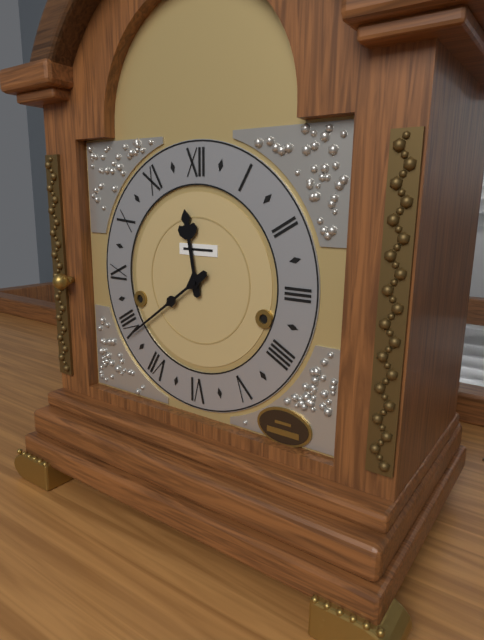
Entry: 11h39
